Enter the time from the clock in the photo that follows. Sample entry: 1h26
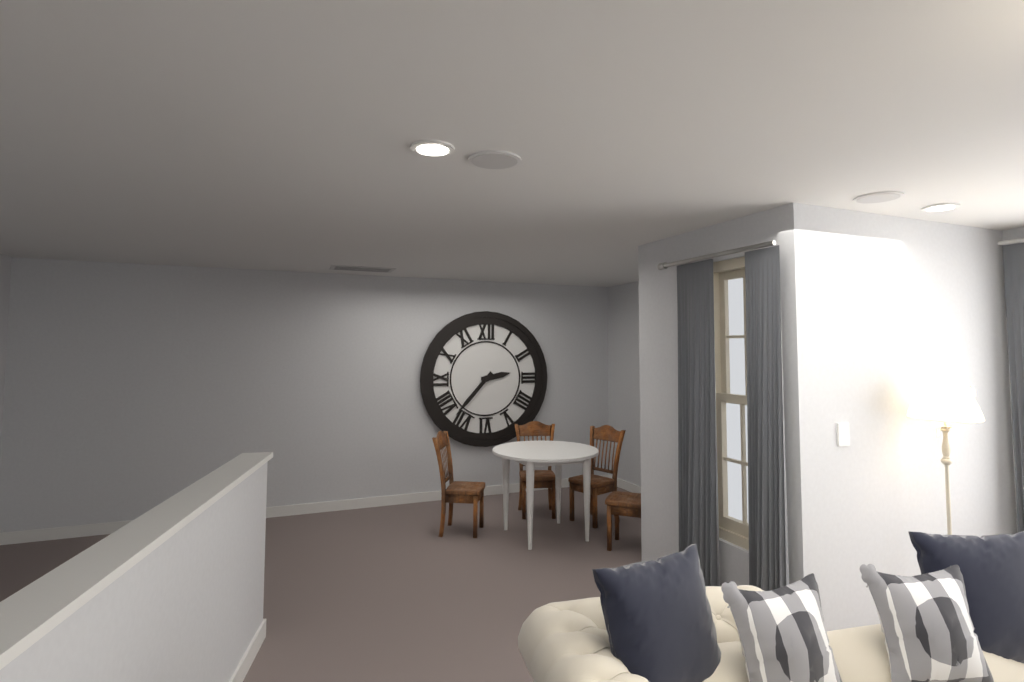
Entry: 2h37
